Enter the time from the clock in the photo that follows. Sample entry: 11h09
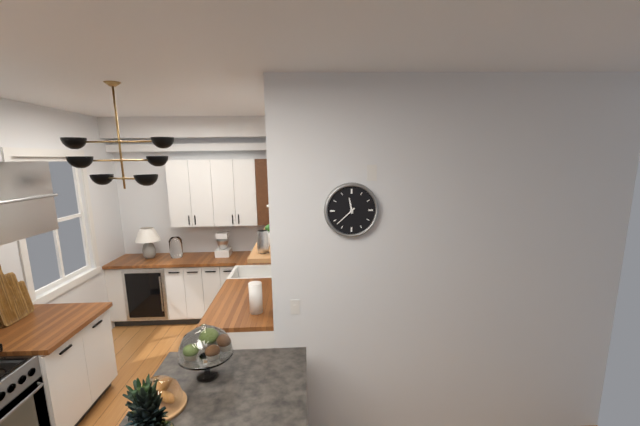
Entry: 11h38
